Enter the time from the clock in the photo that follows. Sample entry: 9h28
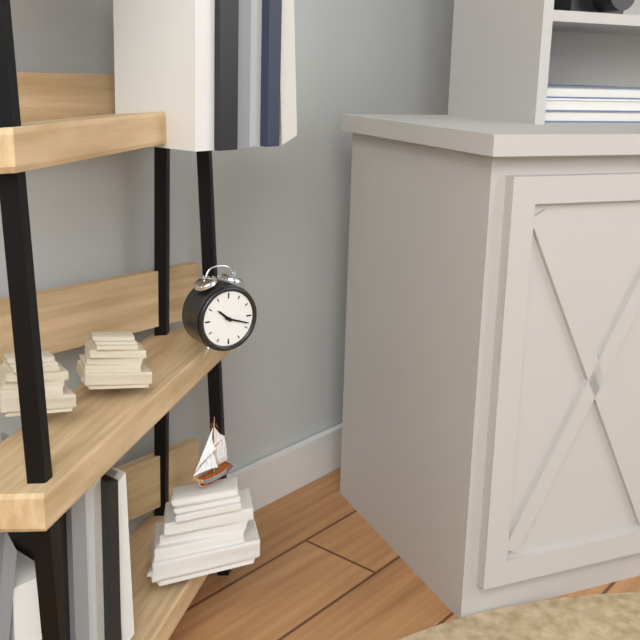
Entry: 10h18
